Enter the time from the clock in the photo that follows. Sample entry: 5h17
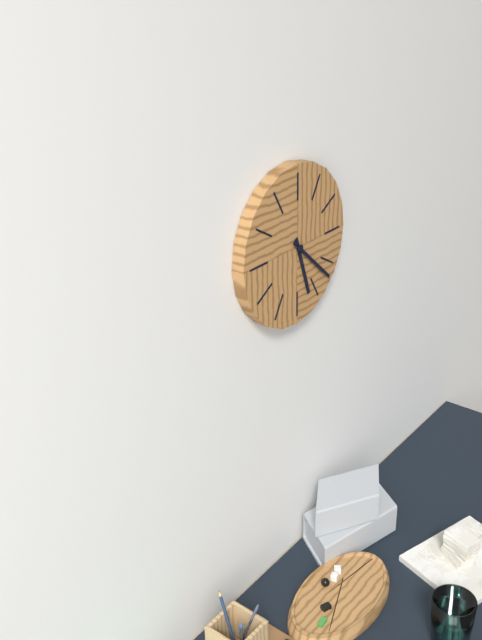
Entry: 5h22
